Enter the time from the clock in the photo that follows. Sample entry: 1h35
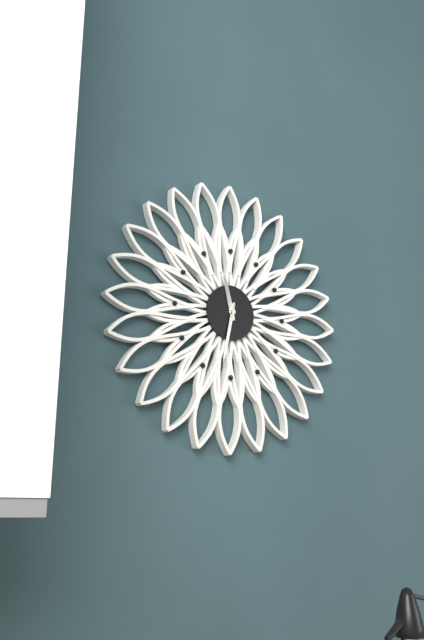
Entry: 11h32
